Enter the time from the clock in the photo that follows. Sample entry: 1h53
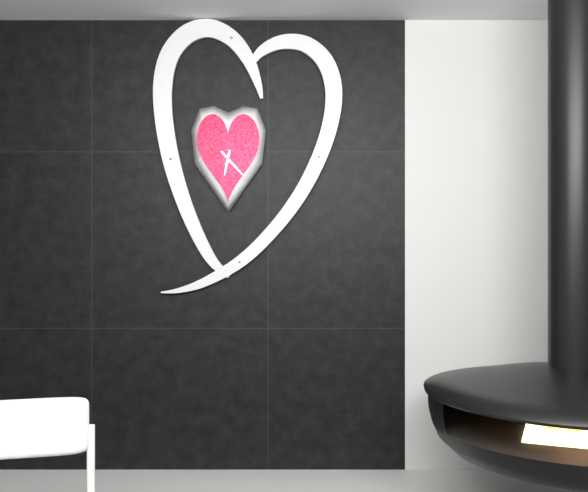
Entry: 6h23
